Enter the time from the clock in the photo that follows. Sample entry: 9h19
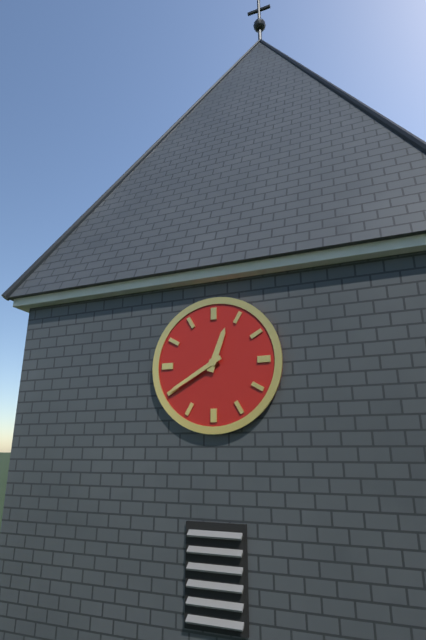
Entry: 12h40
